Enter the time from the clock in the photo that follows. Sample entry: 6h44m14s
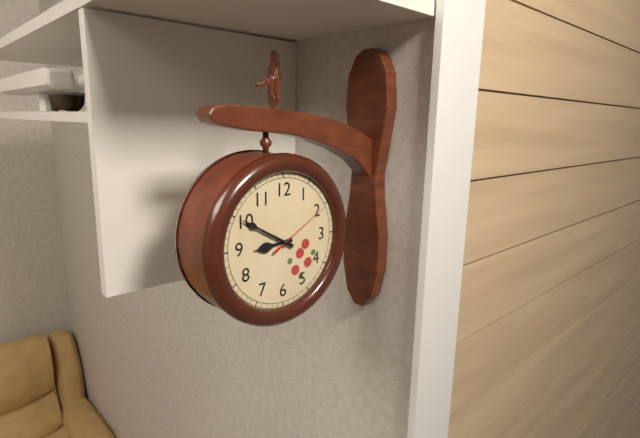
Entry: 8h50m10s
